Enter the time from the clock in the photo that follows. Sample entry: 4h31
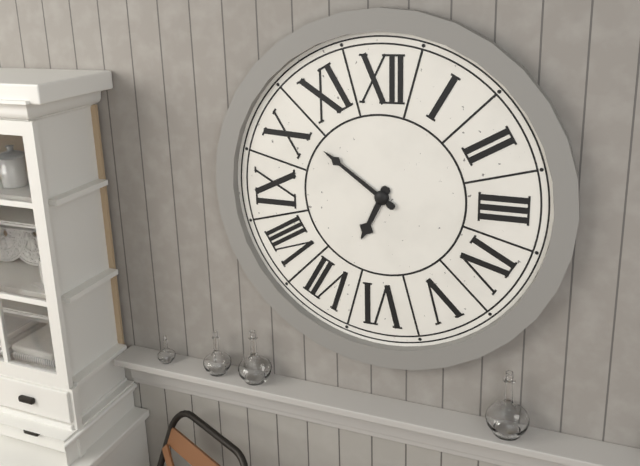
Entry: 6h51
